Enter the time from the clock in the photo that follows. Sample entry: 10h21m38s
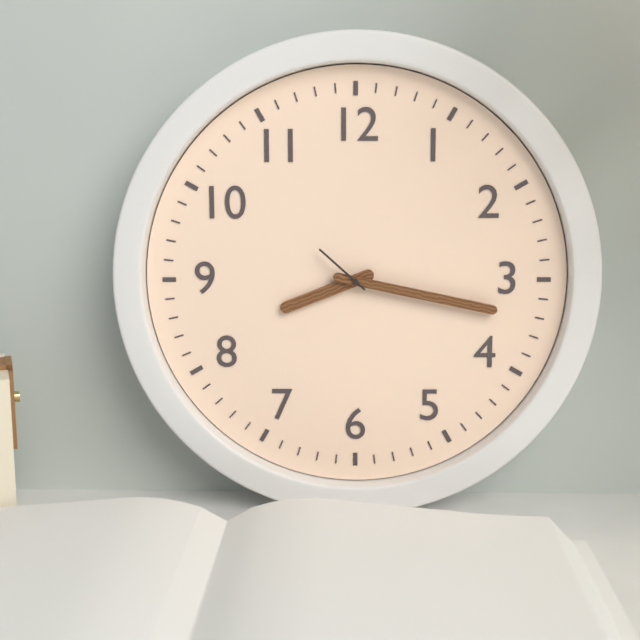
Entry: 8h17m52s
